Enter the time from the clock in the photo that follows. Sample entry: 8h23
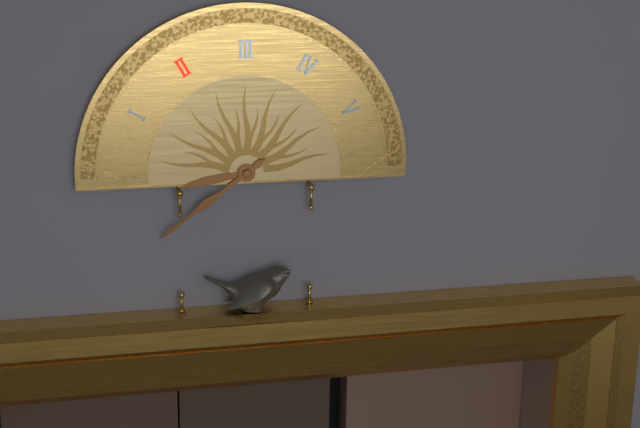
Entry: 8h39
